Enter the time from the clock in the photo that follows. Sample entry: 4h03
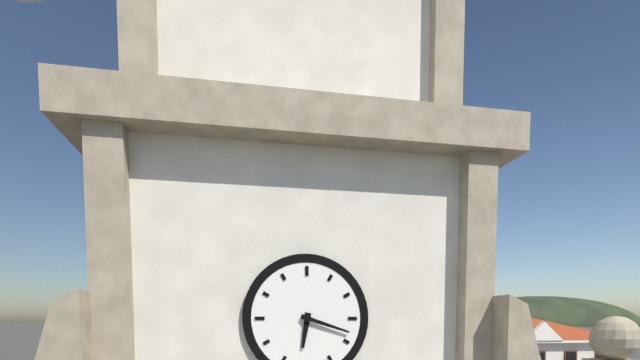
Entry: 6h18
